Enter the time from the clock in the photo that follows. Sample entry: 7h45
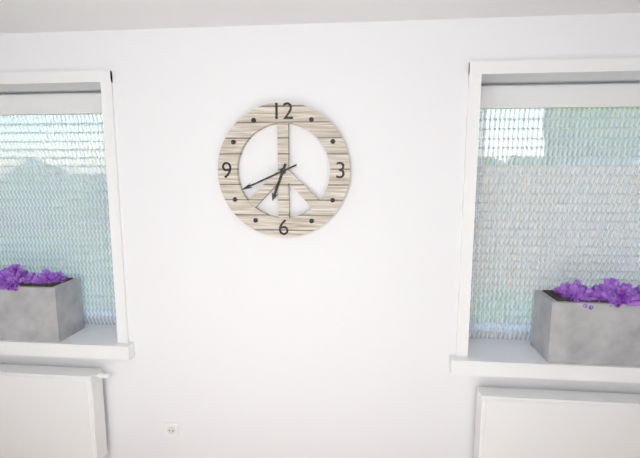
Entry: 6h41
